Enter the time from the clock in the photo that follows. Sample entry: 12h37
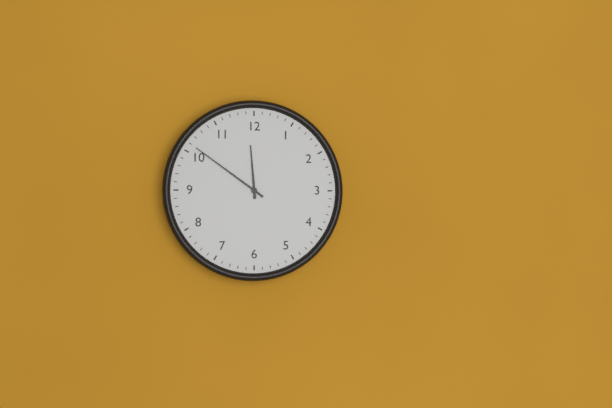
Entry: 11h51
